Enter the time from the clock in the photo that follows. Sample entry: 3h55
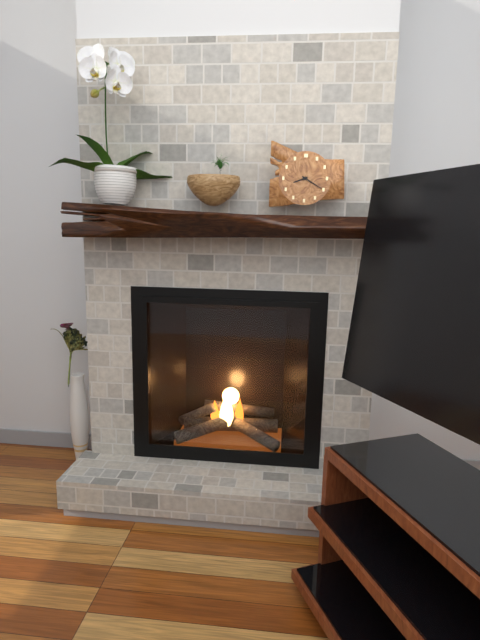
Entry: 8h20
